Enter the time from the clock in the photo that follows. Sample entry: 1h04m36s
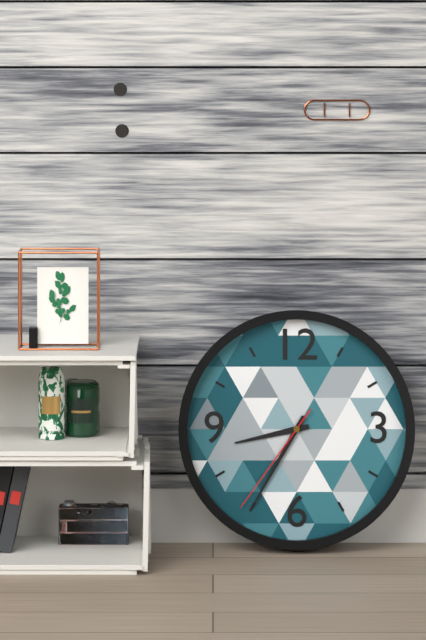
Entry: 8h35m36s
